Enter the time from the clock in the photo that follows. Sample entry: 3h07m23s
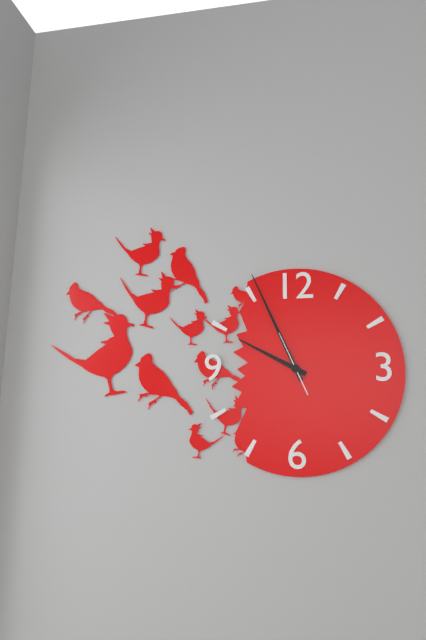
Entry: 9h56m56s
